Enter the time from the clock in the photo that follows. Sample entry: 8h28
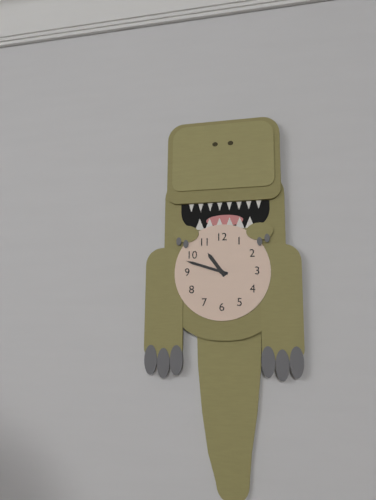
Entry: 10h48
